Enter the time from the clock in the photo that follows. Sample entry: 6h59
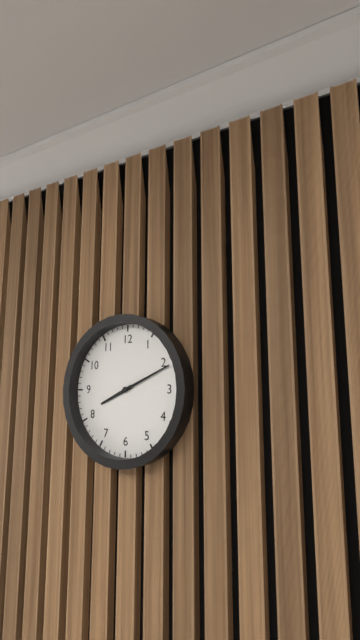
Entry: 8h11
